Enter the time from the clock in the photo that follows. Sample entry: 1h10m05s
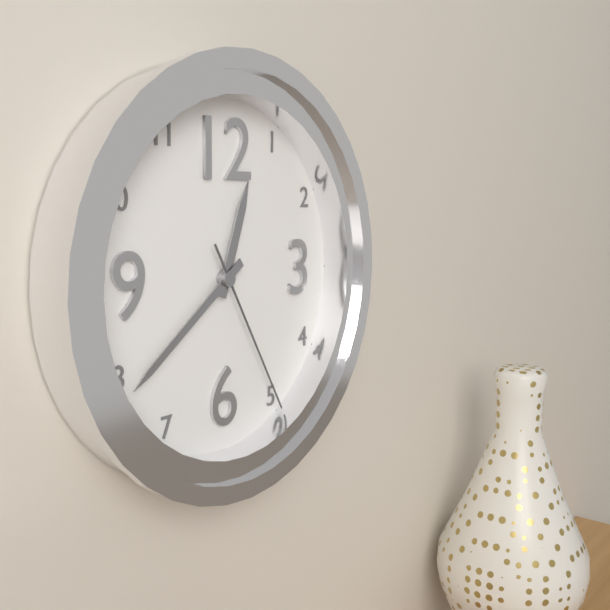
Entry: 12h39m25s
